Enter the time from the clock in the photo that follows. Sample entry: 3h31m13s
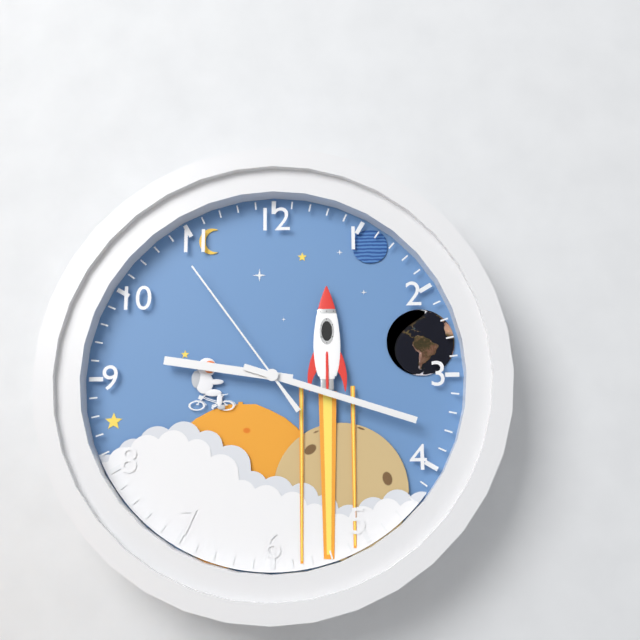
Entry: 9h18m54s
